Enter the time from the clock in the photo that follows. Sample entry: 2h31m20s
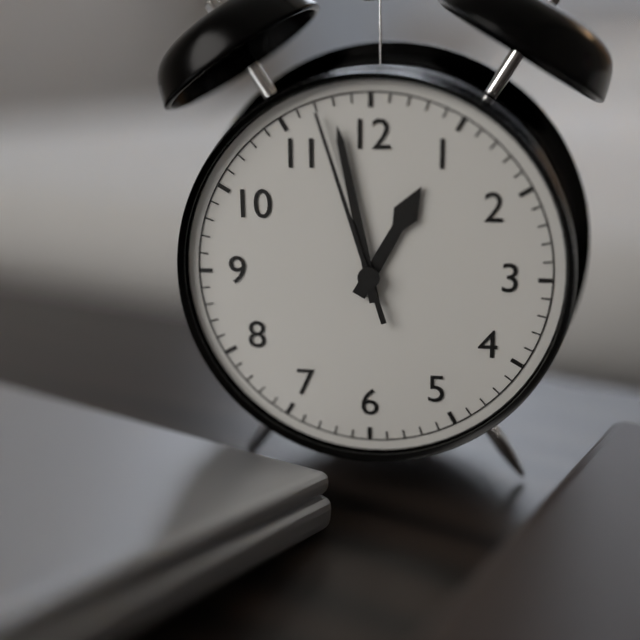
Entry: 12h58m57s
